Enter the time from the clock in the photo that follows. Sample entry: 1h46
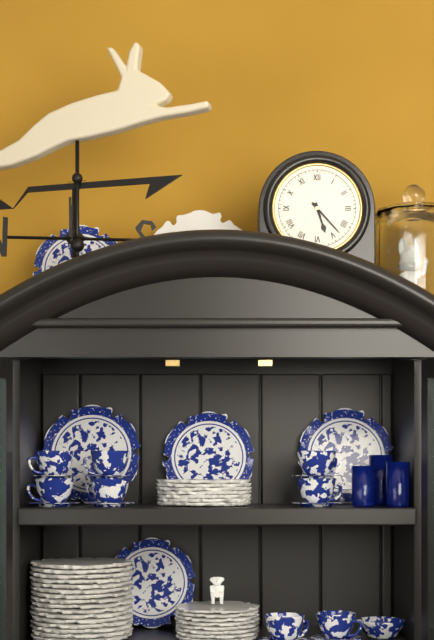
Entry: 5h23
